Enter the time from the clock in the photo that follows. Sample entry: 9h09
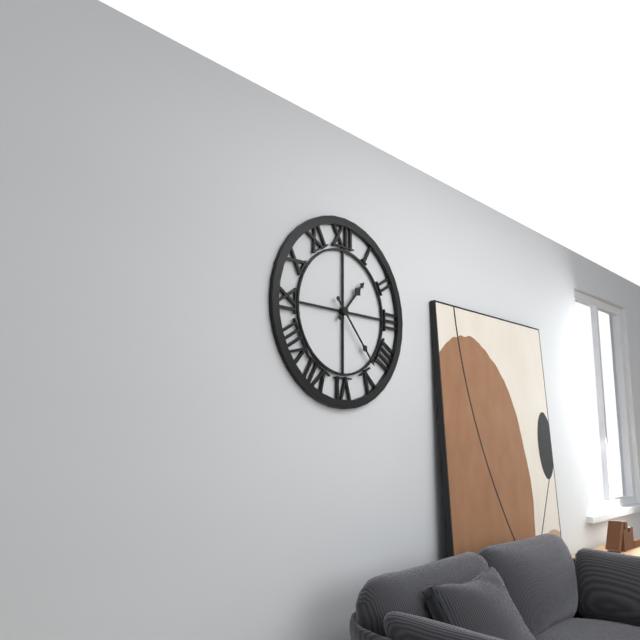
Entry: 1h23
